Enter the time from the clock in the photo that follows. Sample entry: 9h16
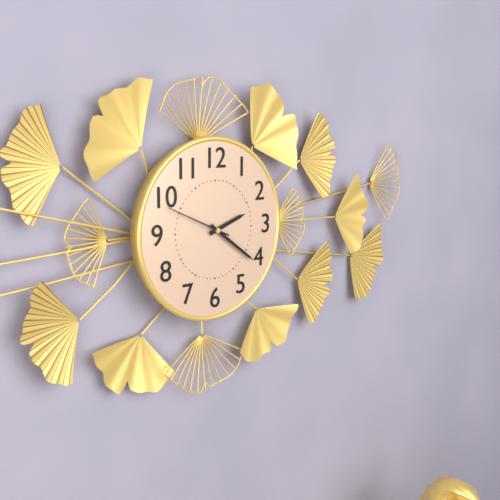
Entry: 2h21
